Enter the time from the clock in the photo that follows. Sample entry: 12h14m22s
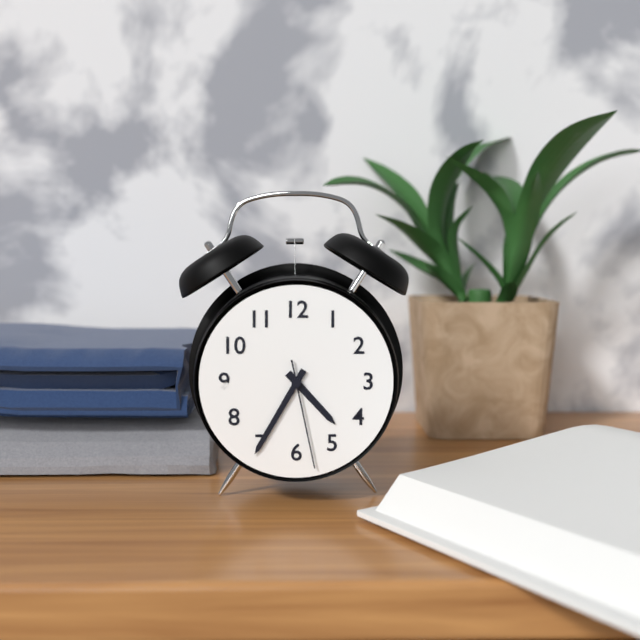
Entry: 4h35m28s
